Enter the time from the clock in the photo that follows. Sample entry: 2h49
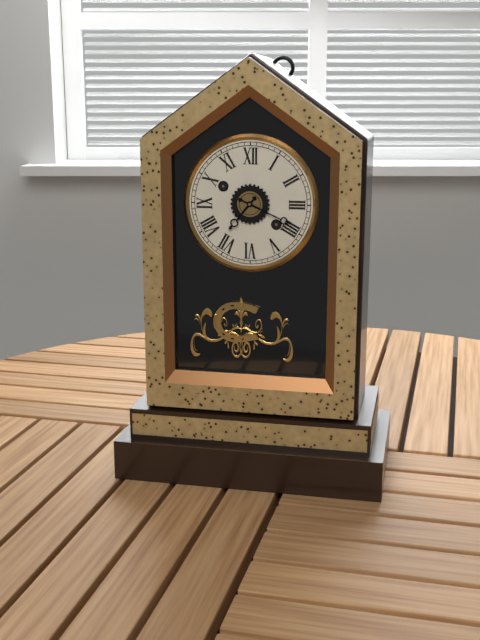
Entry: 7h19
